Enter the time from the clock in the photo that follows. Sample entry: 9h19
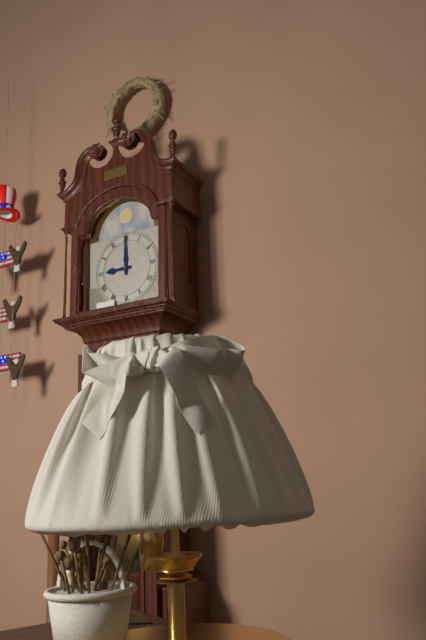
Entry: 9h00
